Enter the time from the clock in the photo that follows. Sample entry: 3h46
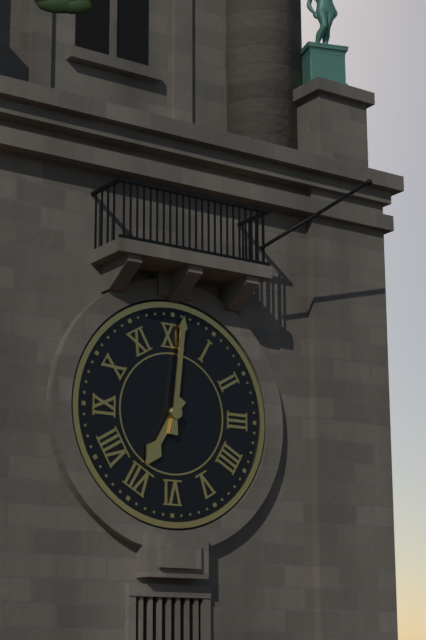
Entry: 7h01
